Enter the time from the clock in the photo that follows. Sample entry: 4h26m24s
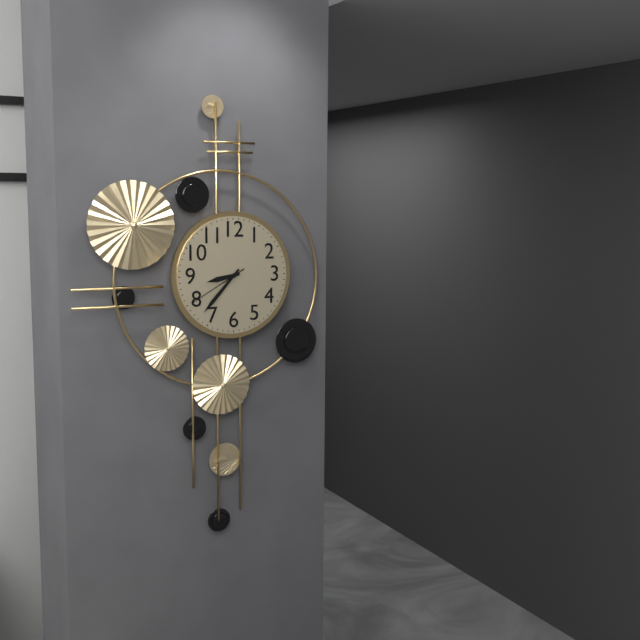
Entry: 8h37m40s
